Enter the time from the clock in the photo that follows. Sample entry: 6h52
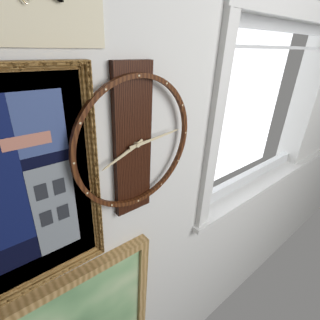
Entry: 8h14
